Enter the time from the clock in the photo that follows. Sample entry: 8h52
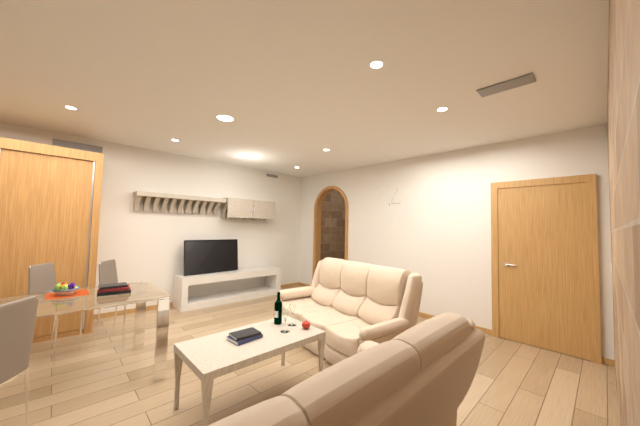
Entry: 3h05
